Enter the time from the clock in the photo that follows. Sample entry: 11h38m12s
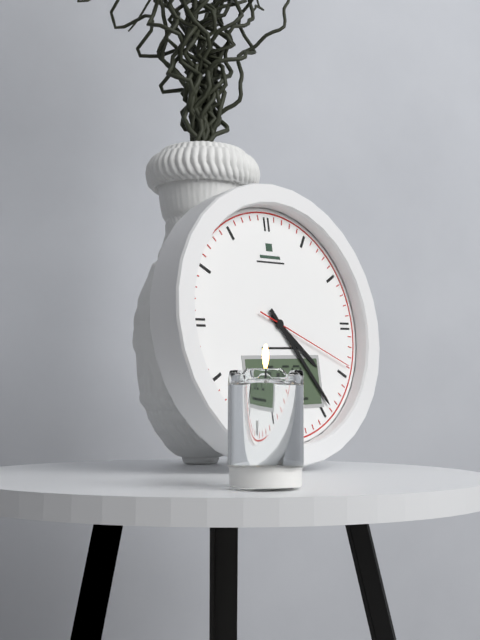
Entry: 4h24m19s
